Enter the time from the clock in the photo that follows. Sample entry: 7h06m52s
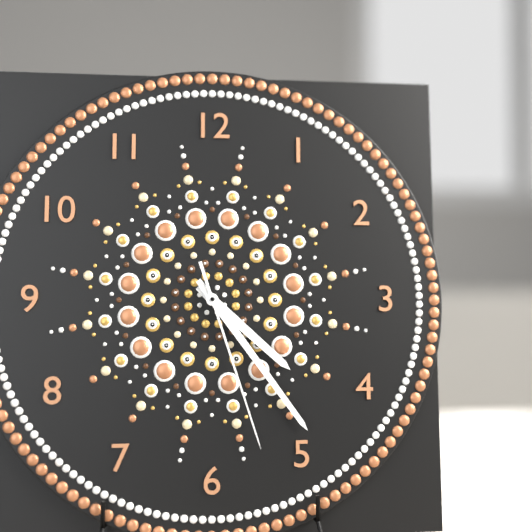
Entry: 4h24m27s
